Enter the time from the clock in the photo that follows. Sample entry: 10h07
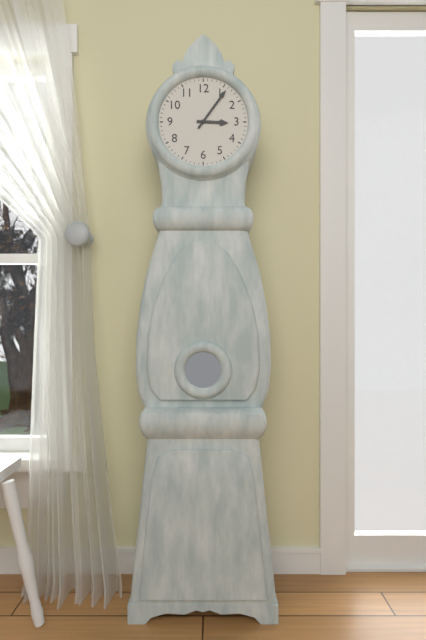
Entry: 3h06
